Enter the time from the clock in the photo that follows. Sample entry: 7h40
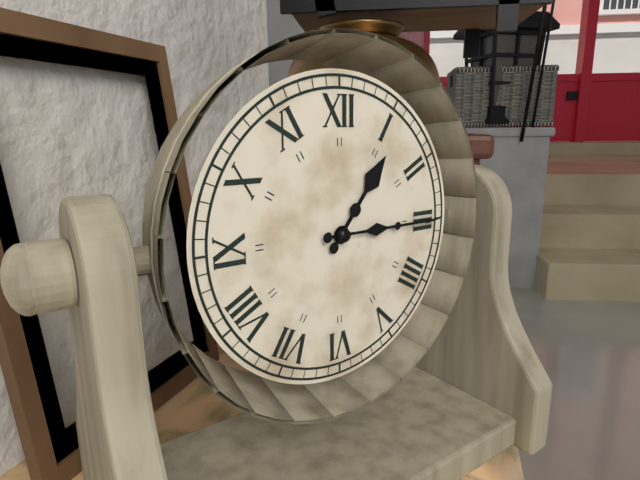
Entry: 1h15
